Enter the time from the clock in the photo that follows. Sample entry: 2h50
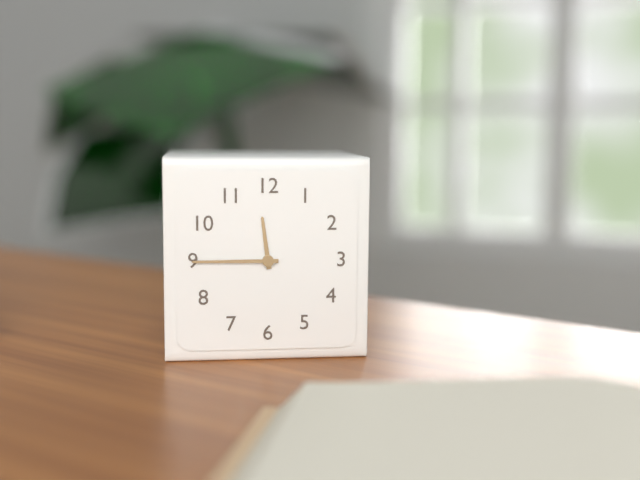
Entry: 11h45
